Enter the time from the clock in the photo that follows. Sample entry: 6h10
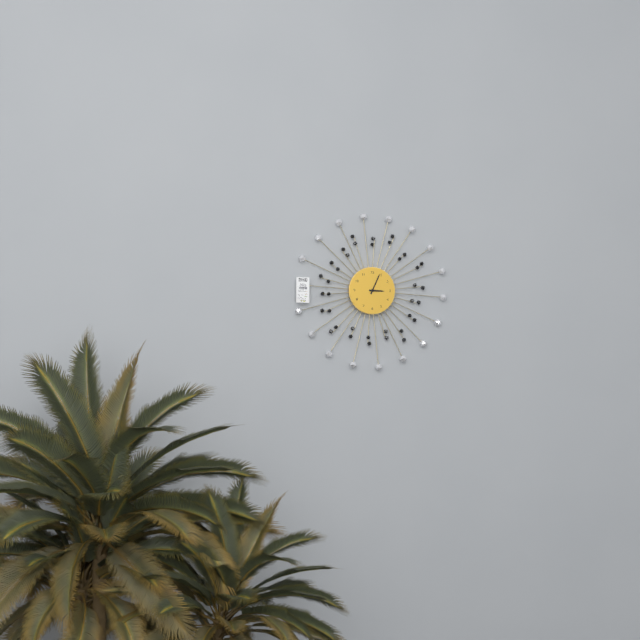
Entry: 3h04
